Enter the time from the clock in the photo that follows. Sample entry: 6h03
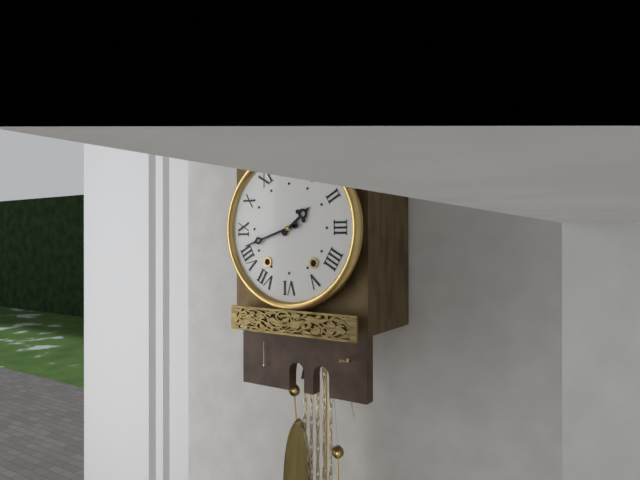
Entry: 1h42
